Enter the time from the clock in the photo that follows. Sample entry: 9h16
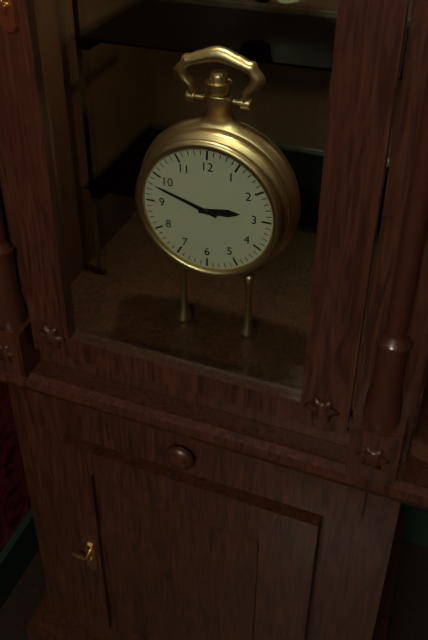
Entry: 2h48
